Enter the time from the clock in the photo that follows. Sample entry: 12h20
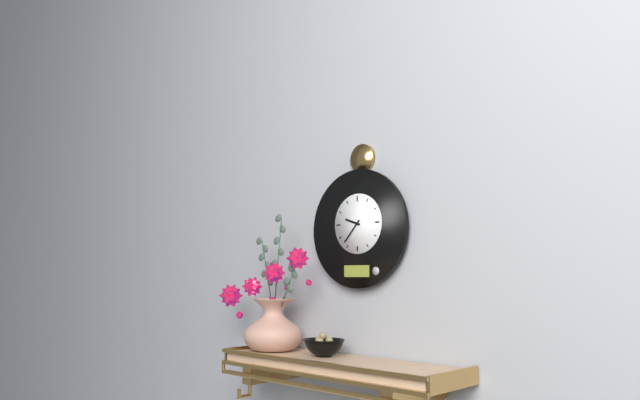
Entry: 9h37
